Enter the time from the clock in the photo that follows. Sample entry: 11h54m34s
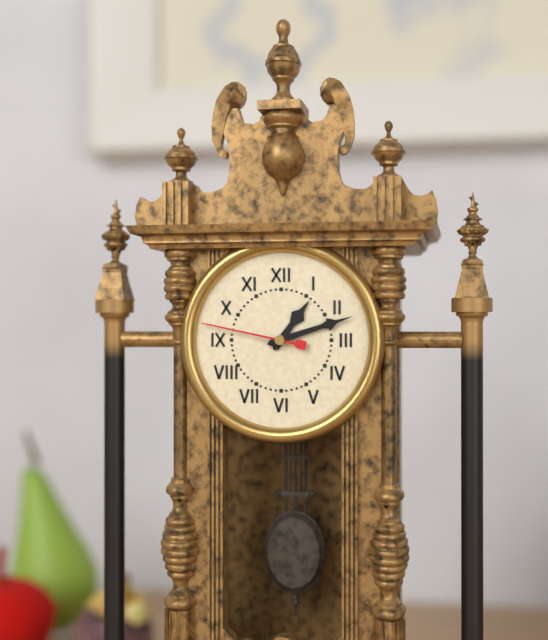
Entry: 1h12m47s
